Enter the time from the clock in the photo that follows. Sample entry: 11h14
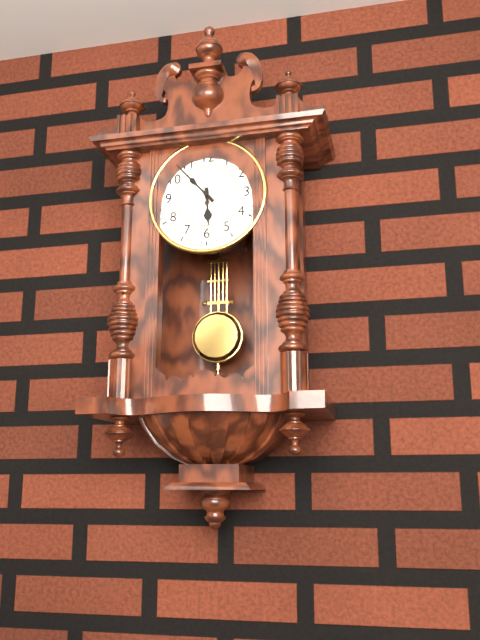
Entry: 5h53
